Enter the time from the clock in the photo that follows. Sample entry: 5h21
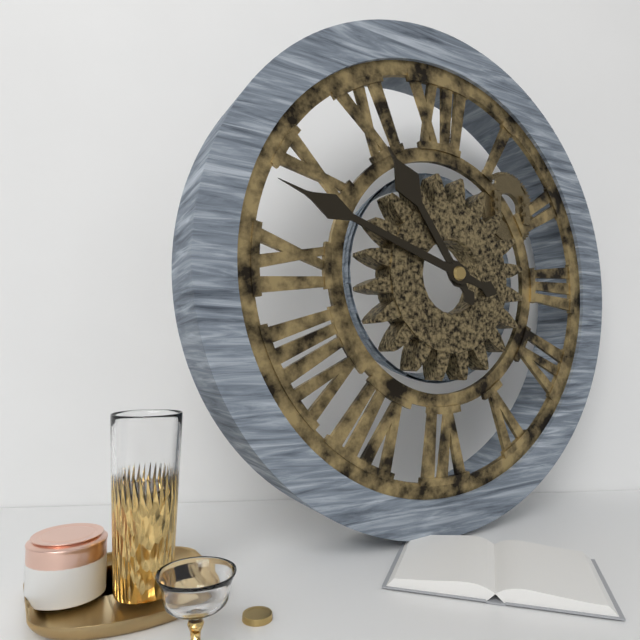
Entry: 10h48
